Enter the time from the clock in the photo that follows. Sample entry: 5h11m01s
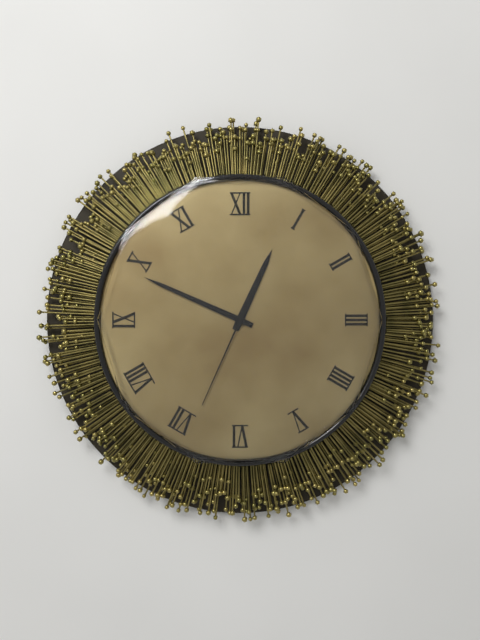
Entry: 12h49m34s
